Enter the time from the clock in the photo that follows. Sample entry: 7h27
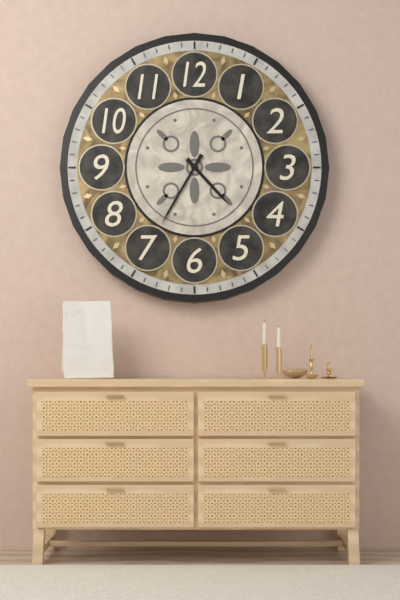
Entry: 4h35
